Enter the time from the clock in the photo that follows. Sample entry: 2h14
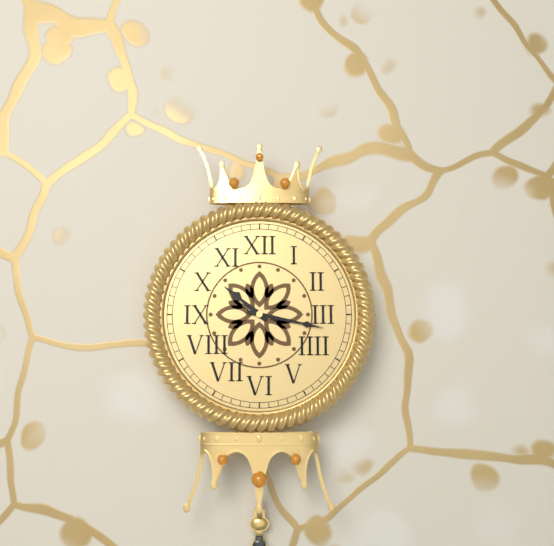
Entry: 10h17
